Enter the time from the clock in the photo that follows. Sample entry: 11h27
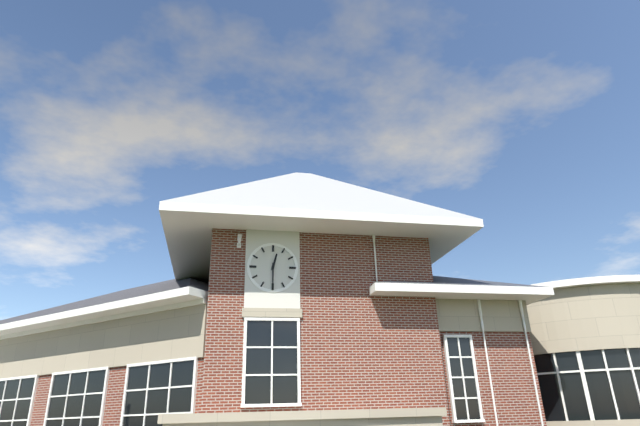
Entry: 12h30
